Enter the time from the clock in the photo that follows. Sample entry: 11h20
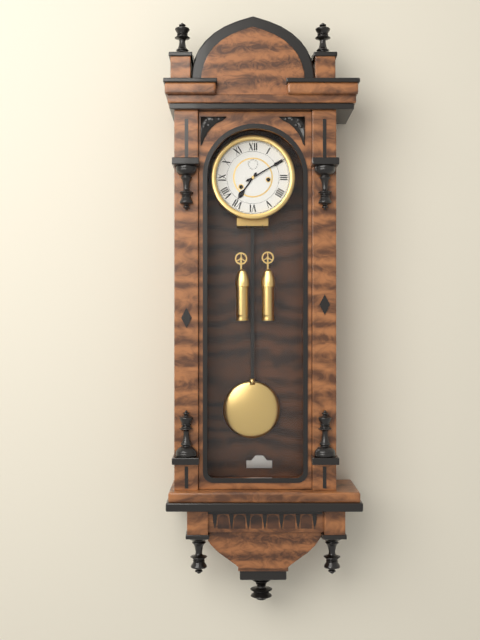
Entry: 7h10
